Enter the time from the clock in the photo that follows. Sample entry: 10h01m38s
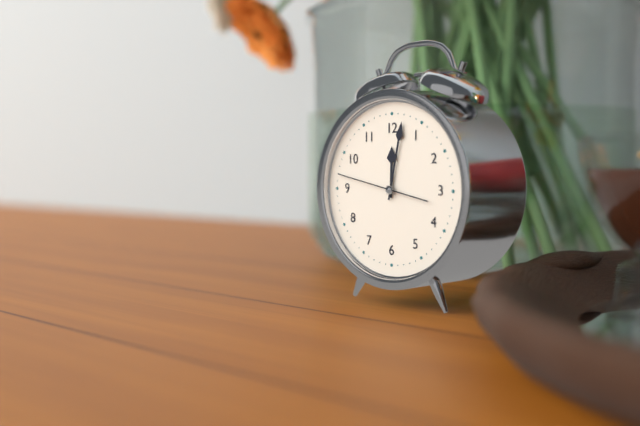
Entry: 12h02m47s
